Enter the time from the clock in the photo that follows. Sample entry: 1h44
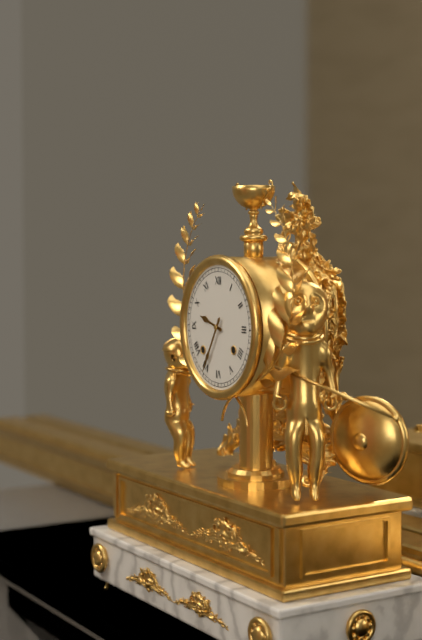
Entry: 9h35
